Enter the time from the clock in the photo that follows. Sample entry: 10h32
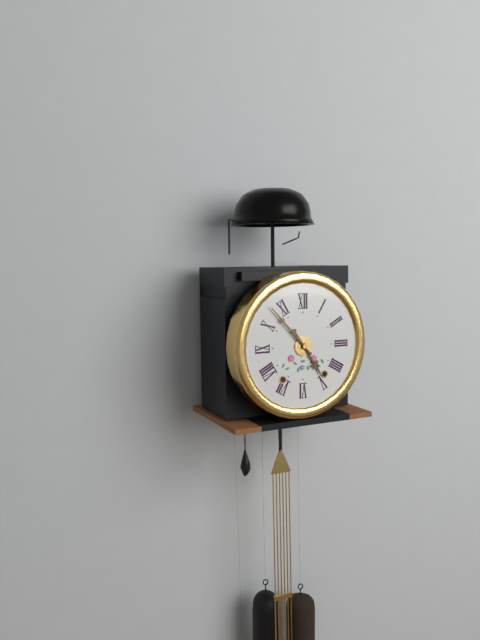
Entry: 4h53
